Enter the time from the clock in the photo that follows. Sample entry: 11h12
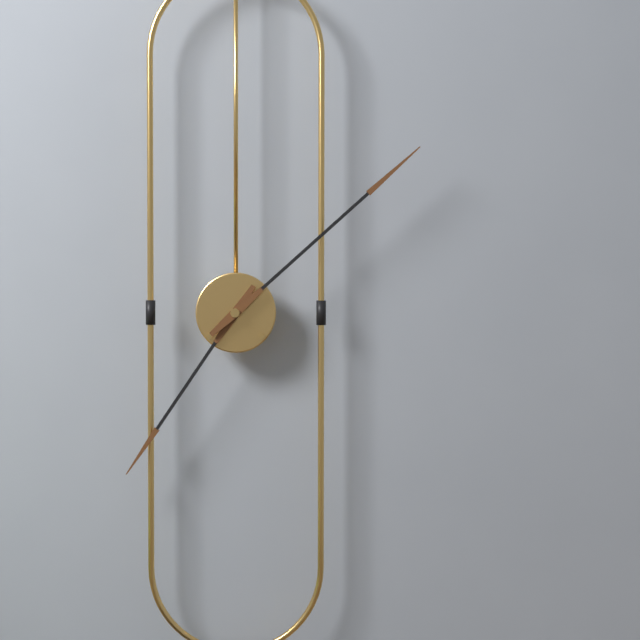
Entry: 7h08
